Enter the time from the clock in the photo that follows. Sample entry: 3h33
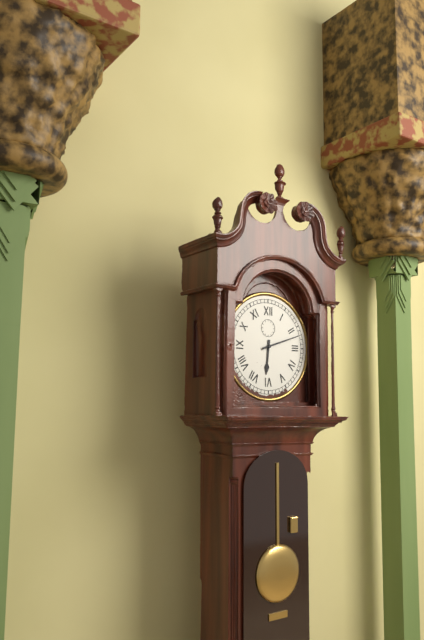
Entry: 6h12
